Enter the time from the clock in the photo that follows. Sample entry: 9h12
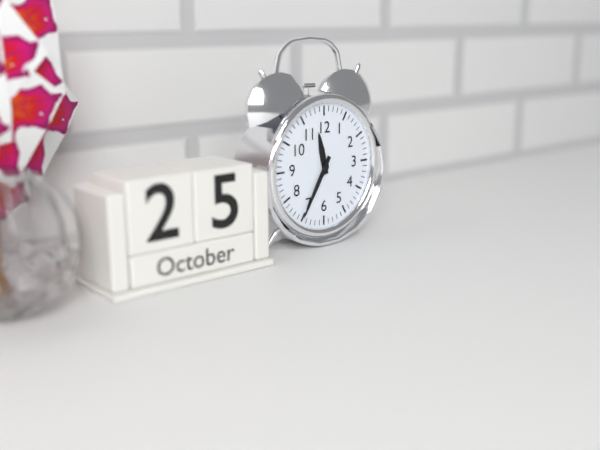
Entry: 11h35
